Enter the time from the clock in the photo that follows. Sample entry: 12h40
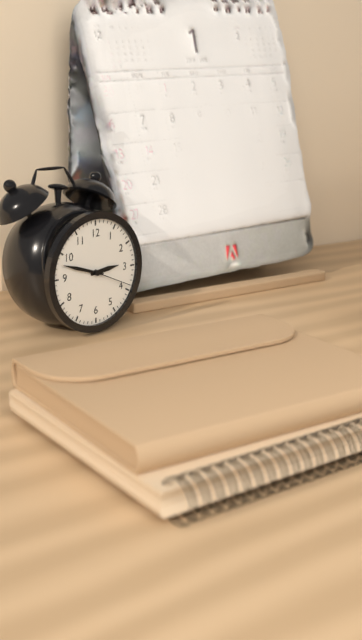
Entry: 2h48
